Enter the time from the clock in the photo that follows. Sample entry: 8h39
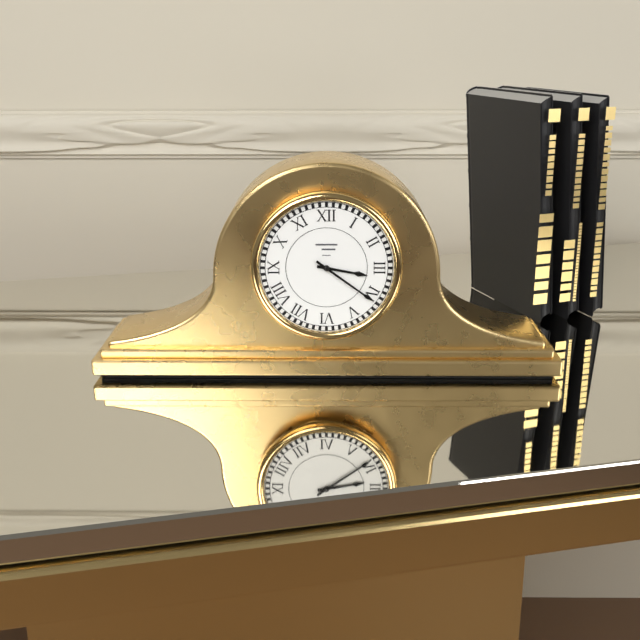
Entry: 3h21
